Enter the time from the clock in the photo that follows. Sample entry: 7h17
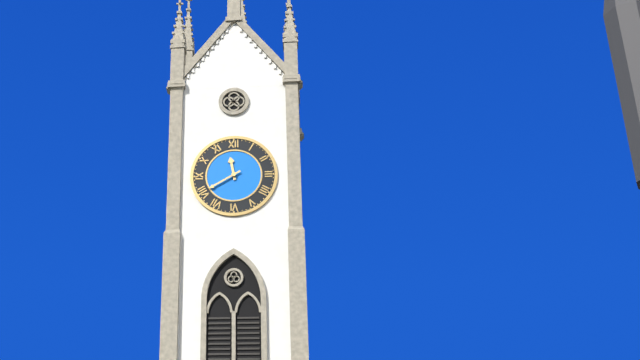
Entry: 11h40
